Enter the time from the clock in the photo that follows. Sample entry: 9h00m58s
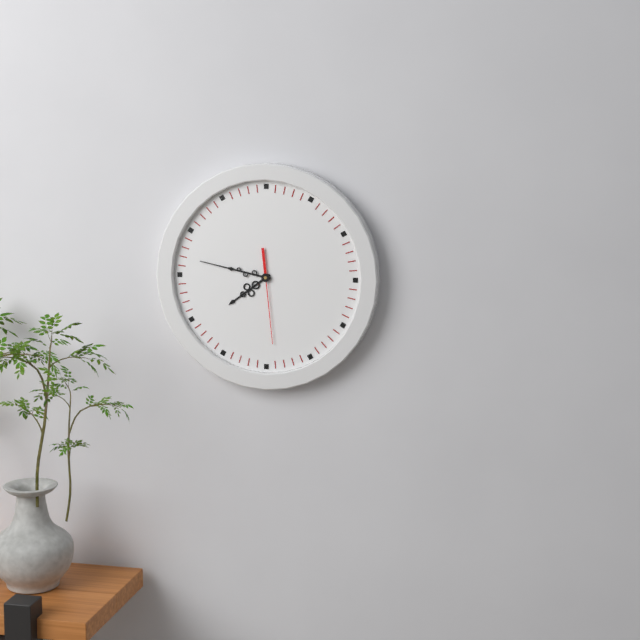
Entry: 7h47m29s
